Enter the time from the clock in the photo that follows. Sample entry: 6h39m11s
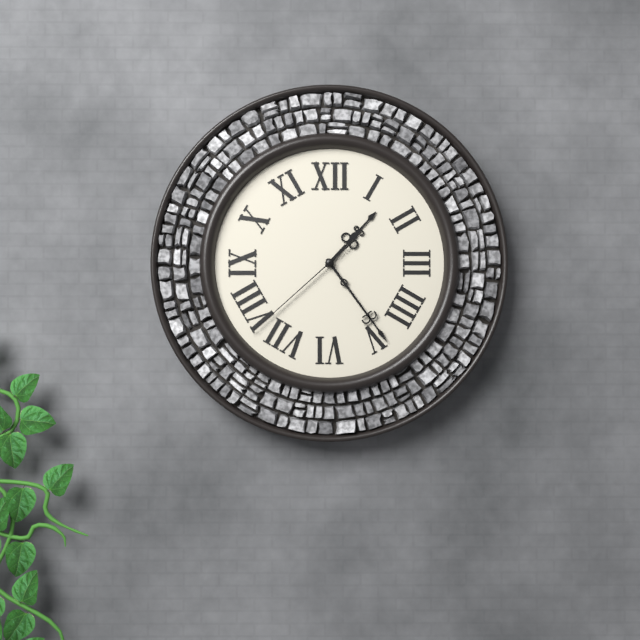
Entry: 1h24m38s
